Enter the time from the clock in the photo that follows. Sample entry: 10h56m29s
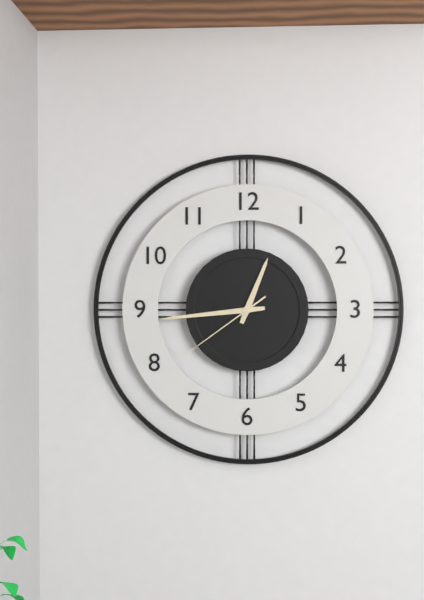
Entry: 12h44m39s
